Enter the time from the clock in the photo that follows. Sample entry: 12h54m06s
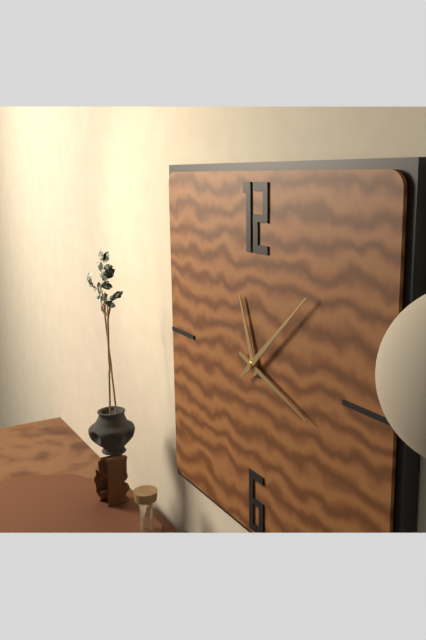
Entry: 11h18m08s
